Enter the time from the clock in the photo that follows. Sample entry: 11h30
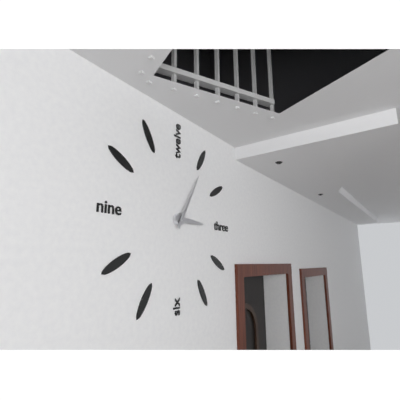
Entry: 3h05
